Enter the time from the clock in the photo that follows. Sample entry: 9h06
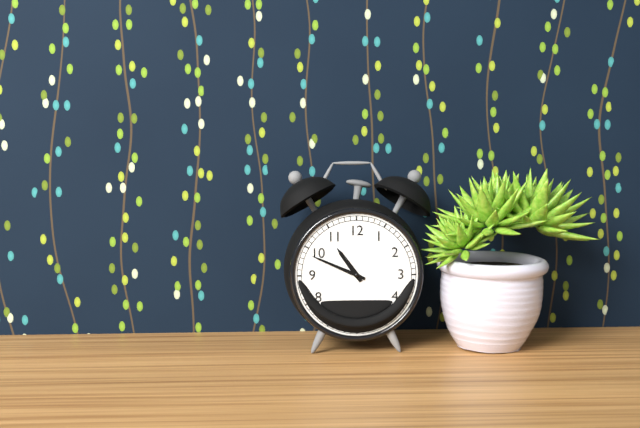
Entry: 10h49
